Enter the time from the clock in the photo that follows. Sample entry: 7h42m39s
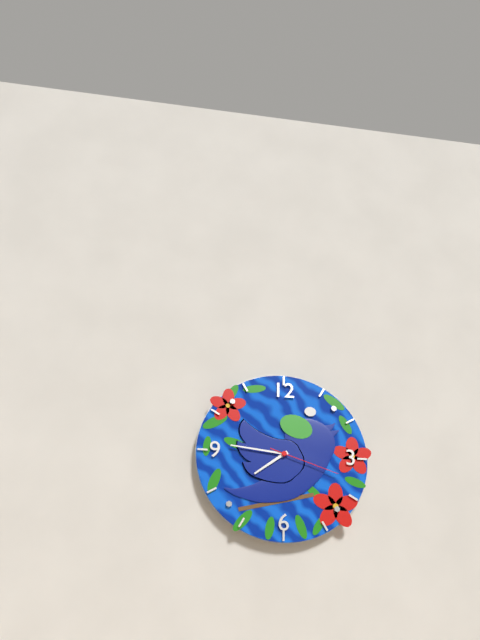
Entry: 7h46m18s
